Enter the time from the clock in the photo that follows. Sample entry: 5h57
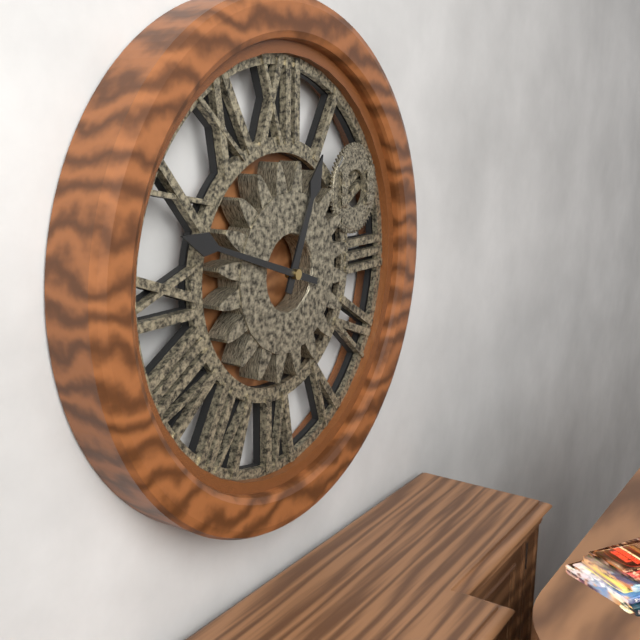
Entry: 12h48
